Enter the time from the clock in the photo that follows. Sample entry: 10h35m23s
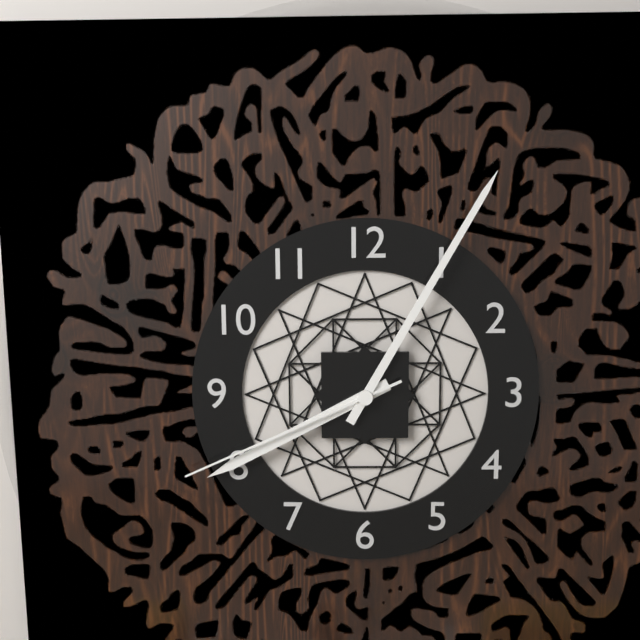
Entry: 8h05m41s
